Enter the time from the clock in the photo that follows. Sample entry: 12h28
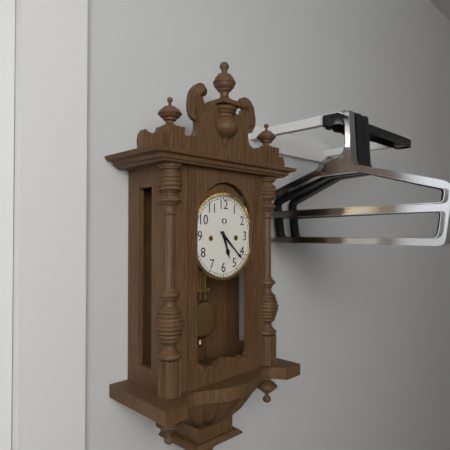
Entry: 5h22
